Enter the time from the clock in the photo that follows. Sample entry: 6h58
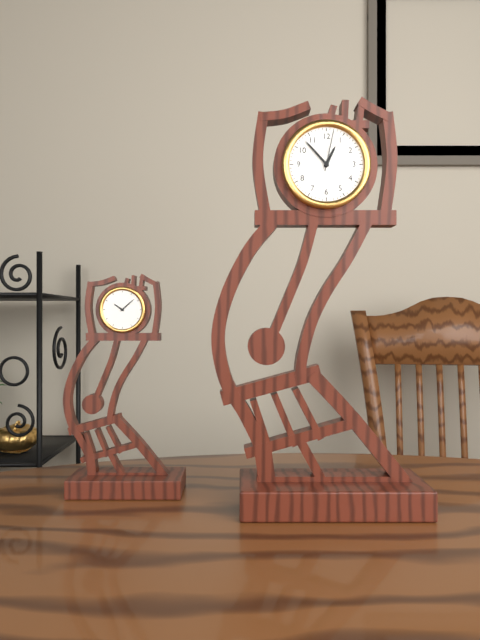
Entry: 12h53
